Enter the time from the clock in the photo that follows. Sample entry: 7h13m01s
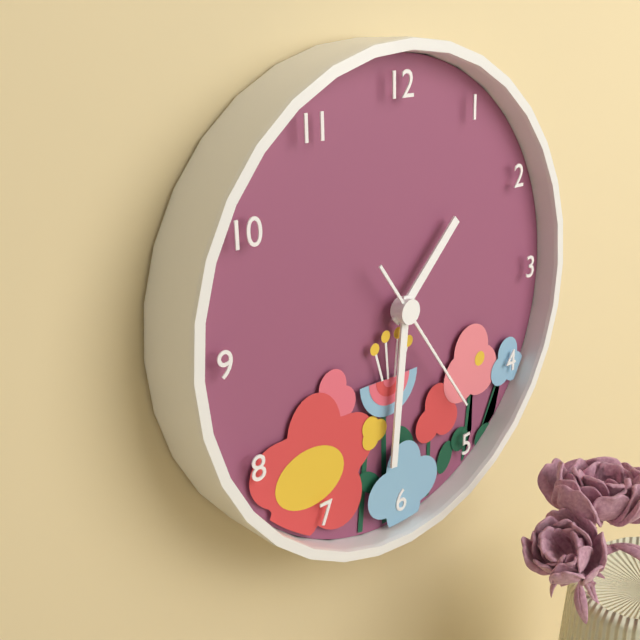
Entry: 1h31m24s
